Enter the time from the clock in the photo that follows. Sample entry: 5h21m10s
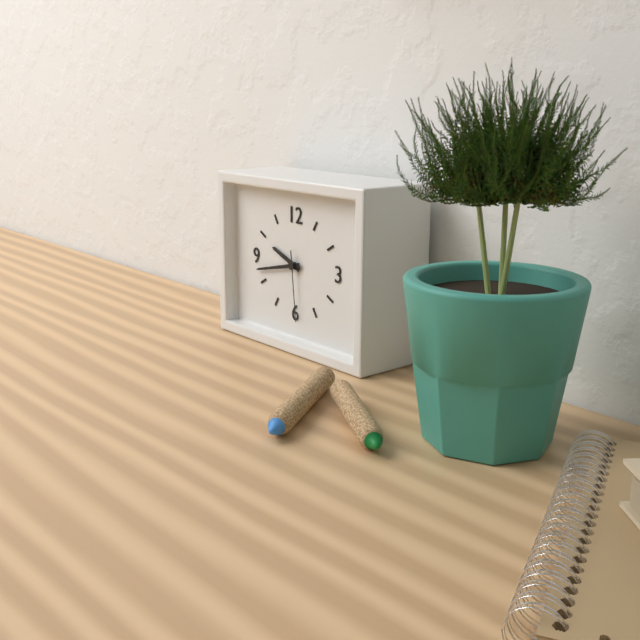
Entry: 9h43m29s
